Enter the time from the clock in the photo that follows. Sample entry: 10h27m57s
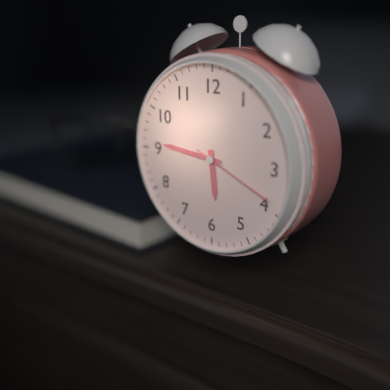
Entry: 5h46m19s
